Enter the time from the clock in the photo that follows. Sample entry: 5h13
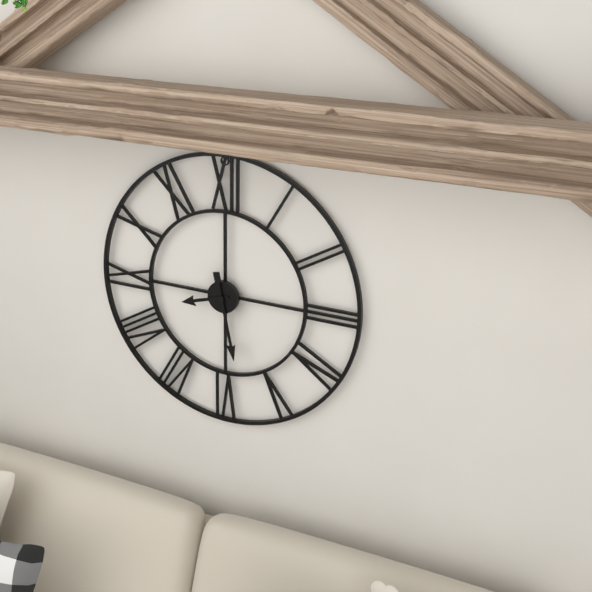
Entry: 8h28
